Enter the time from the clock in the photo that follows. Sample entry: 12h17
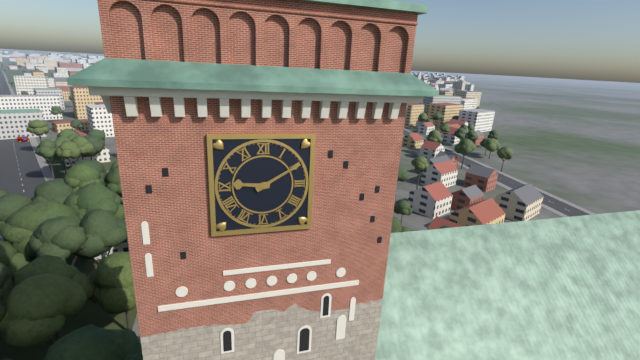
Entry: 9h10
